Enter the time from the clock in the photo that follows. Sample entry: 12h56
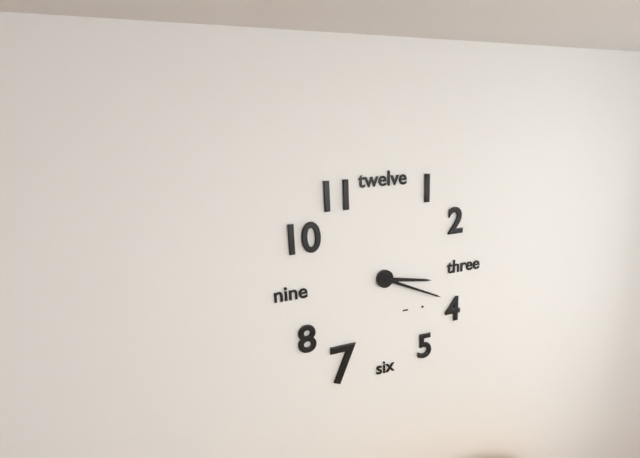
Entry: 3h19
